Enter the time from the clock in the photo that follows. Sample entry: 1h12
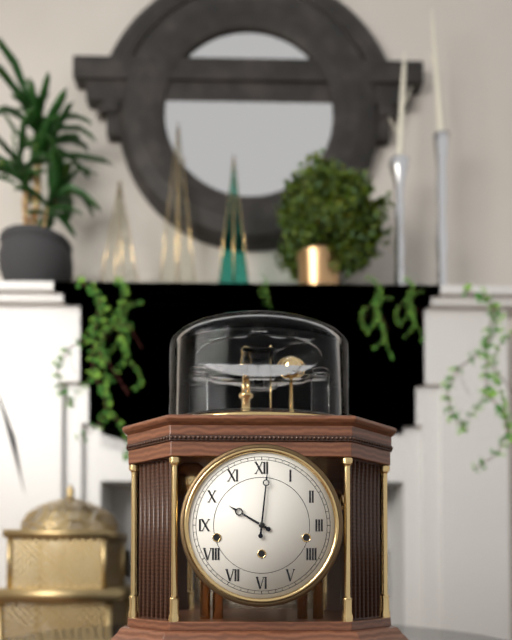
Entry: 10h01
